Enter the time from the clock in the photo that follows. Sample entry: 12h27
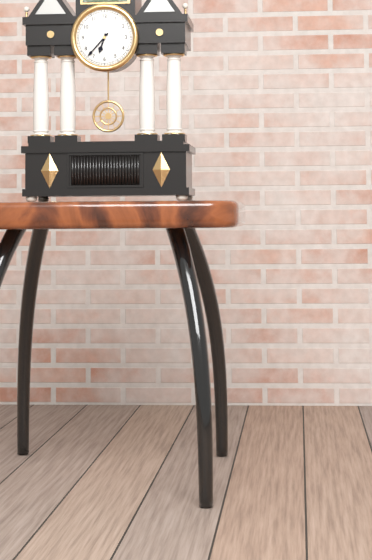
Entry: 6h37
